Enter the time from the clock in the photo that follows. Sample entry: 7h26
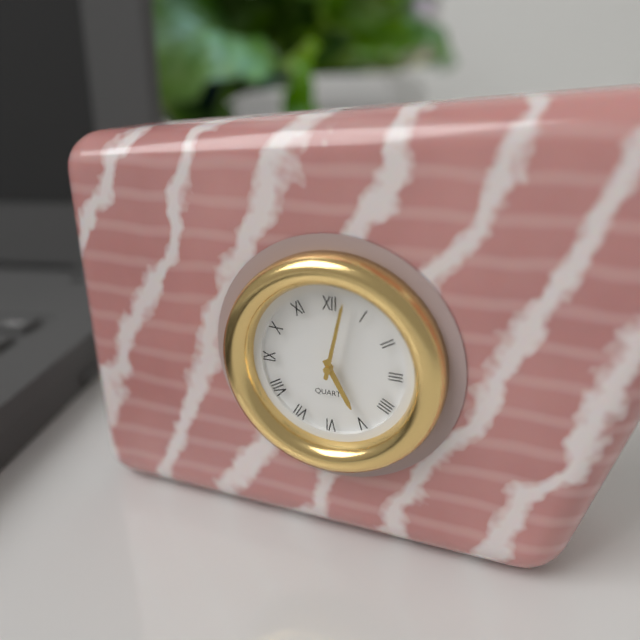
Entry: 5h02
